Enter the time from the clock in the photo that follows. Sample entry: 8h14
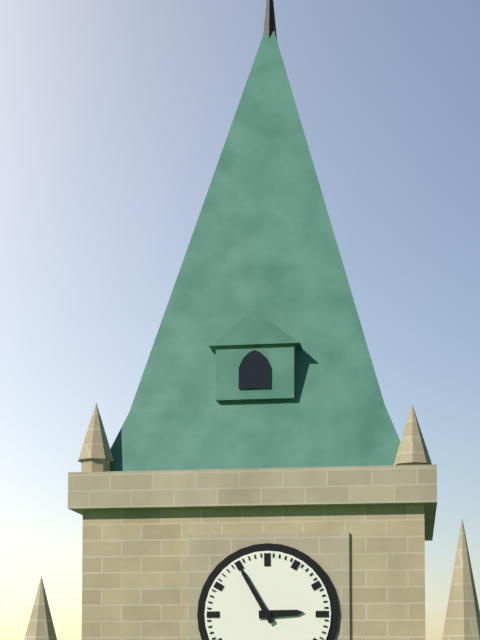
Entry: 2h55
